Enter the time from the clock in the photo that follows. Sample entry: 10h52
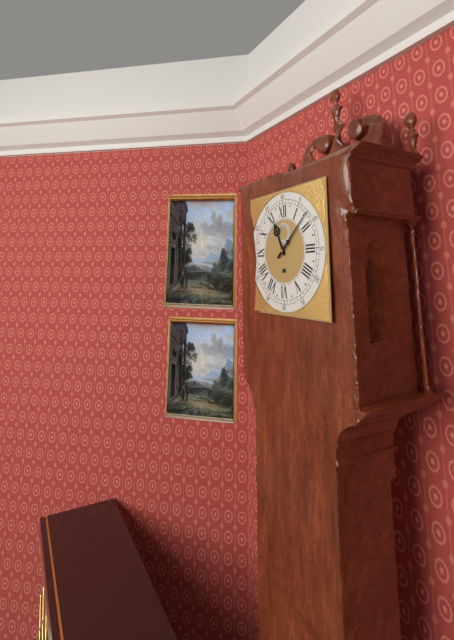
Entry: 11h08
